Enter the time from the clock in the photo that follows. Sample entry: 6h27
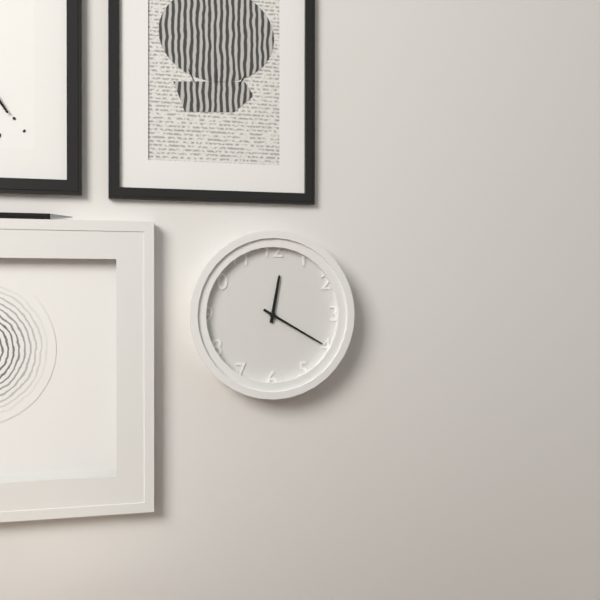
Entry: 12h20
